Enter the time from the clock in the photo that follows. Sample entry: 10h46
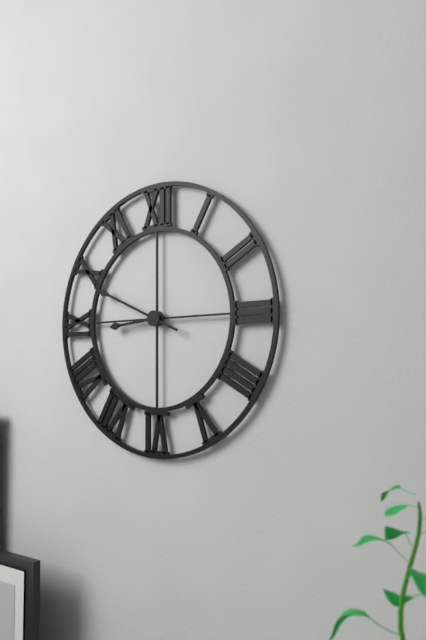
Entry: 8h49
